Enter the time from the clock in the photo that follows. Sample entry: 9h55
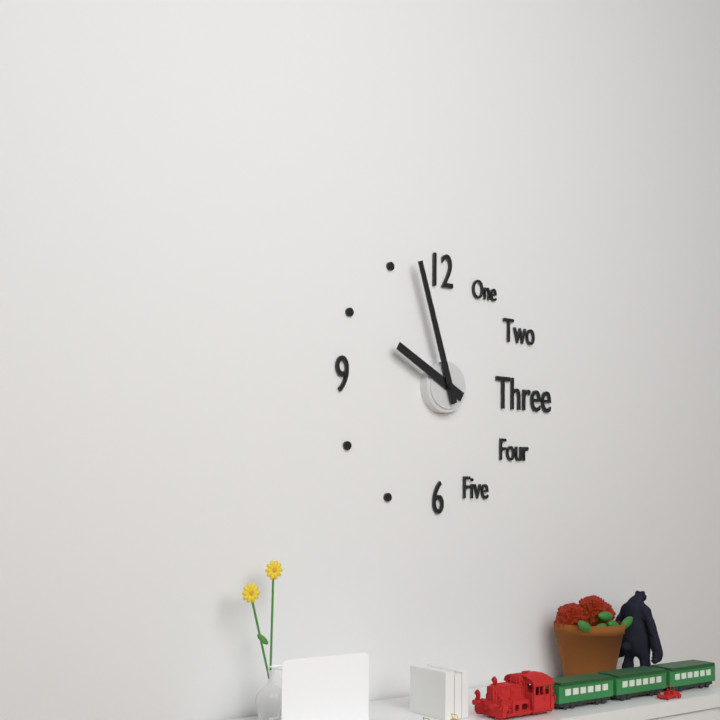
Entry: 9h57
